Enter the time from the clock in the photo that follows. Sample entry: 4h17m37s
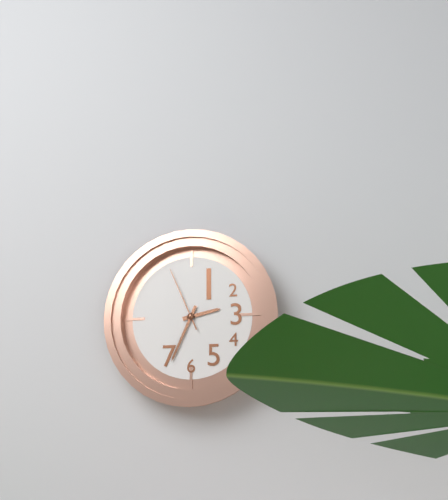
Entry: 2h34m56s
